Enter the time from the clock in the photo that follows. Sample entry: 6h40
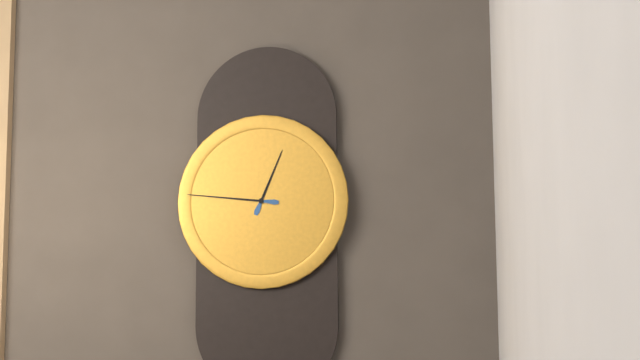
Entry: 12h46
